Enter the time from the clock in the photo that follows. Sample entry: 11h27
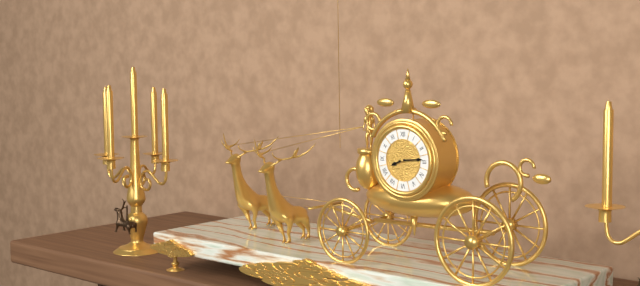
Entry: 8h14
